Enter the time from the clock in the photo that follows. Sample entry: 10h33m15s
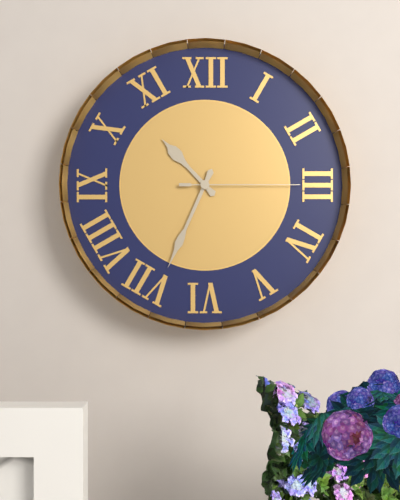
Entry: 10h34m15s
